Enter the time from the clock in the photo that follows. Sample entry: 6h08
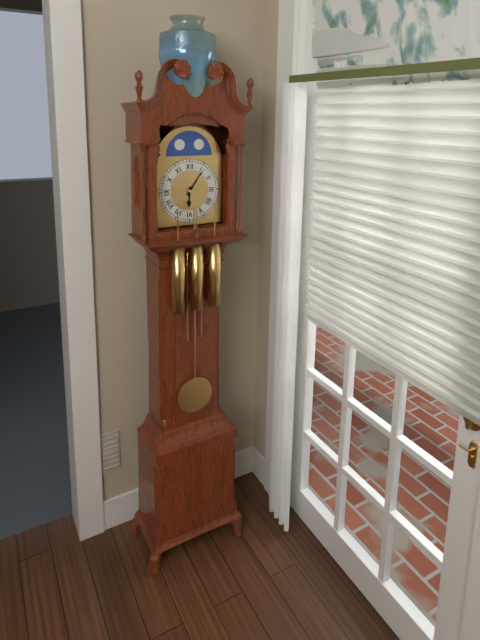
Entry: 6h06
